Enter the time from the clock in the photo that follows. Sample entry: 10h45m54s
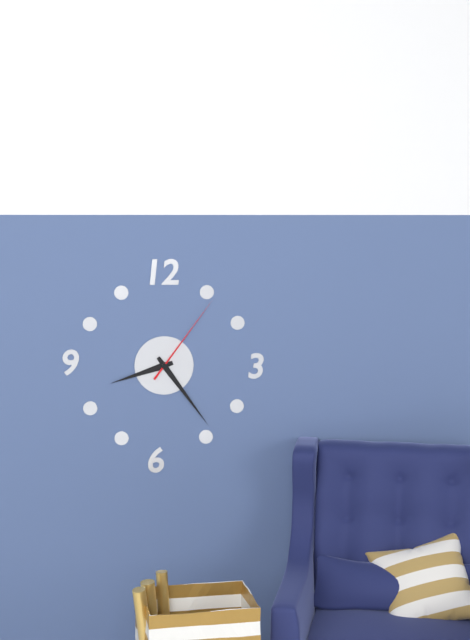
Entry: 8h24m06s
